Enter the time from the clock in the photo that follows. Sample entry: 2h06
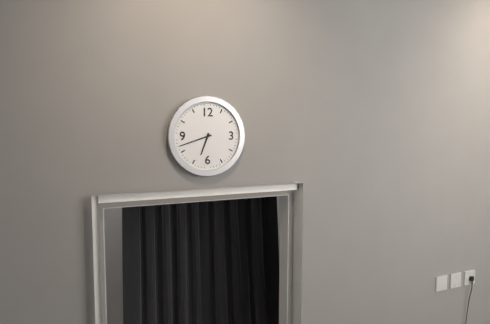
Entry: 6h42
